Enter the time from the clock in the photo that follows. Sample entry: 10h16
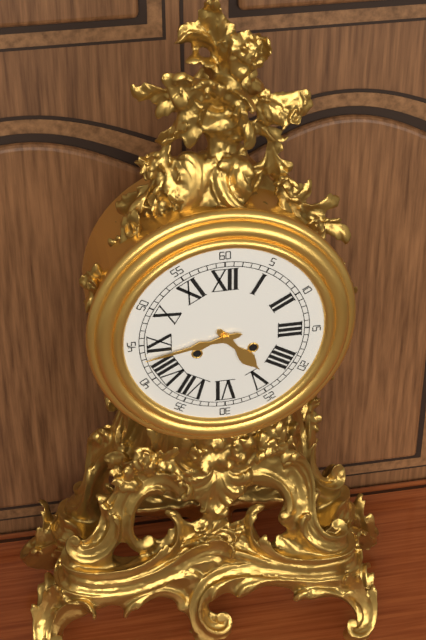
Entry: 4h43
